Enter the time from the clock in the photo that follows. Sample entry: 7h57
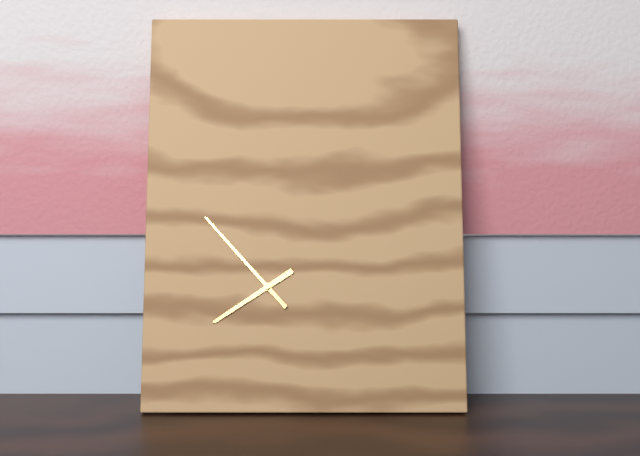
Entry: 7h53
